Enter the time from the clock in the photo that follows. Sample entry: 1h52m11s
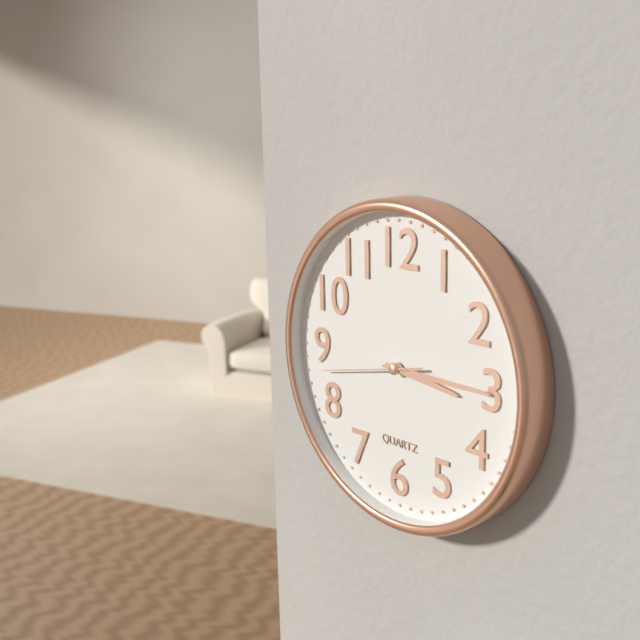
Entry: 3h15m43s
